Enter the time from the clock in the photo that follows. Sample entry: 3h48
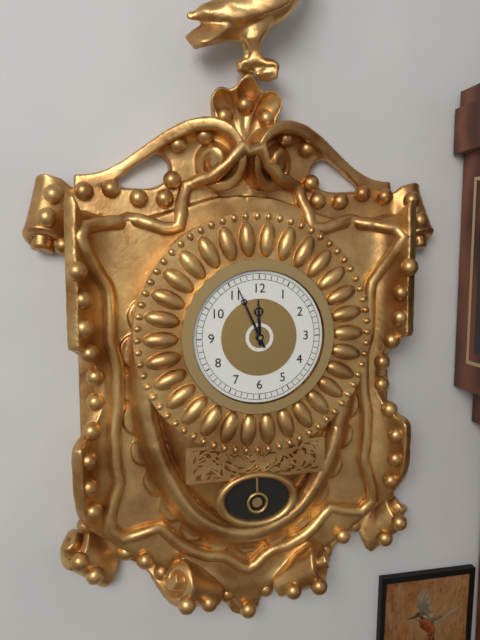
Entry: 11h56
